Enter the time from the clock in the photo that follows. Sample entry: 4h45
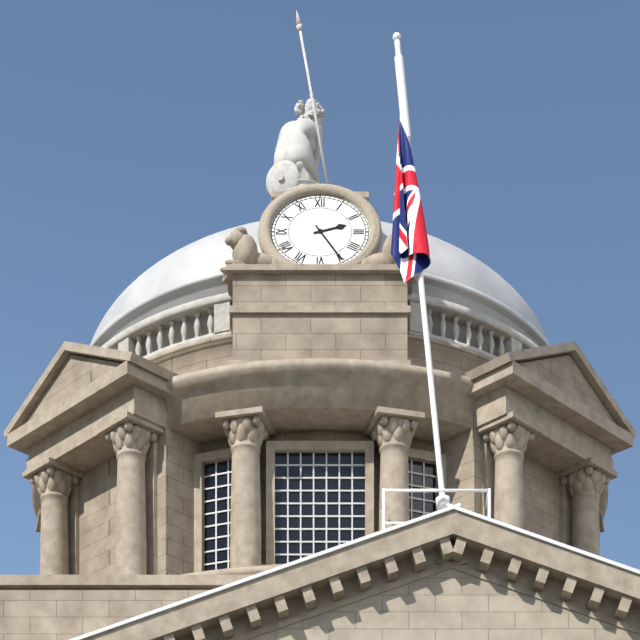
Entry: 2h25
